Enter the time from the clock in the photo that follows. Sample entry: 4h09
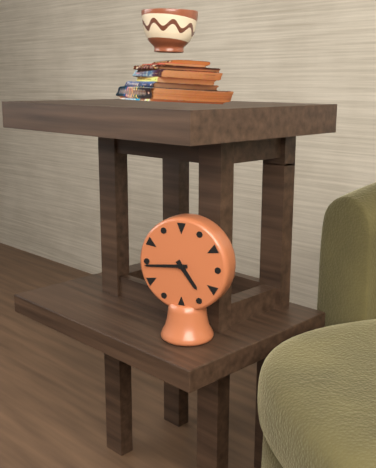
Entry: 4h44
